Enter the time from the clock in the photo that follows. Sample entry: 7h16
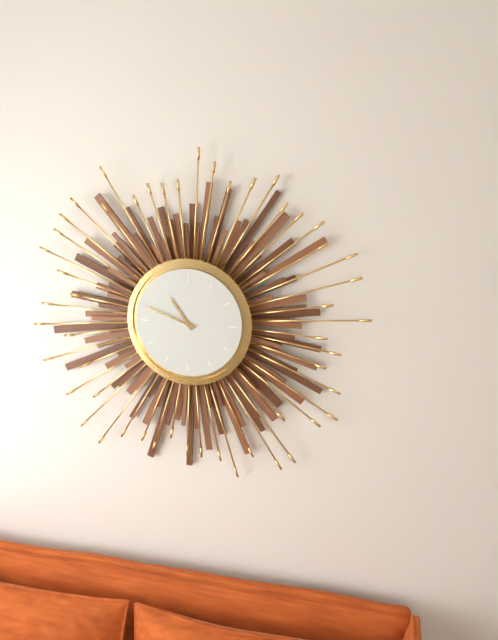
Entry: 10h48
